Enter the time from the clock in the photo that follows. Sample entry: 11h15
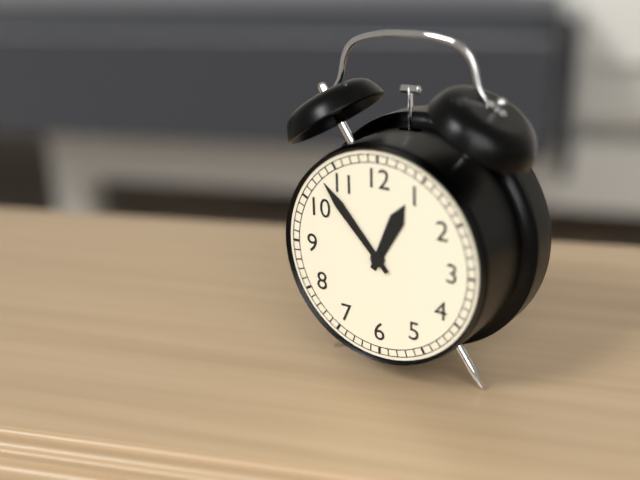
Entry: 12h53
